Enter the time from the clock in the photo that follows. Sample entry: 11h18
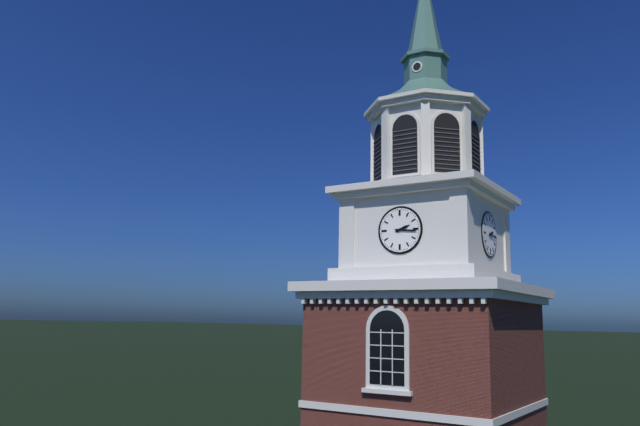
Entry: 2h16
